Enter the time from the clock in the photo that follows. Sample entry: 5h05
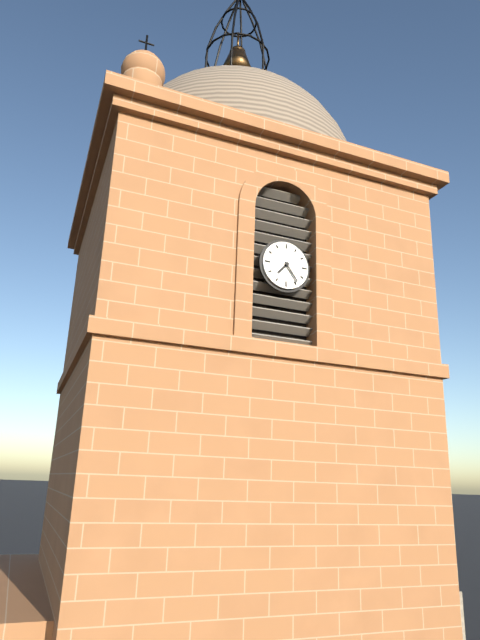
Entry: 7h24
